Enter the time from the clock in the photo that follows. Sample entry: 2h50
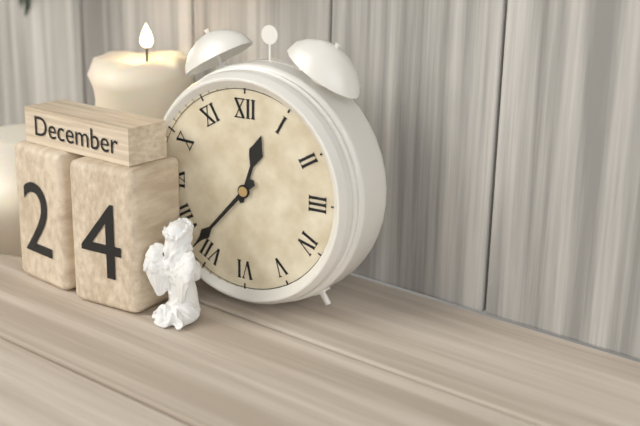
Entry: 12h37
